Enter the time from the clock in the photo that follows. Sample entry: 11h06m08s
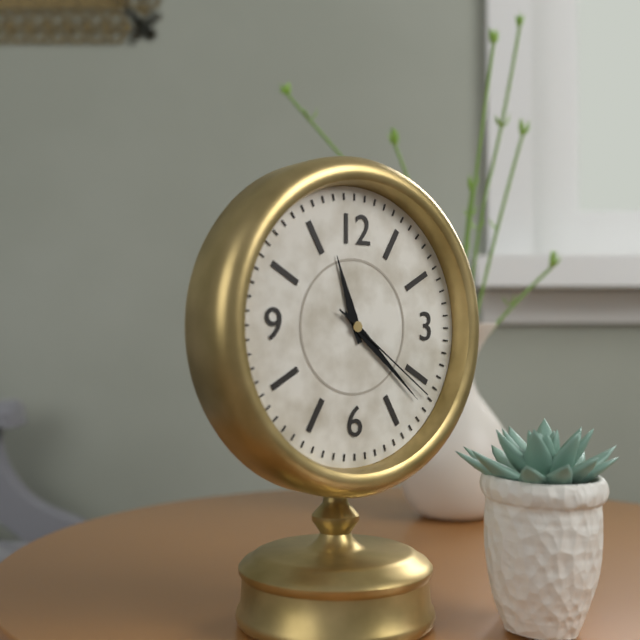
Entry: 11h22m21s
